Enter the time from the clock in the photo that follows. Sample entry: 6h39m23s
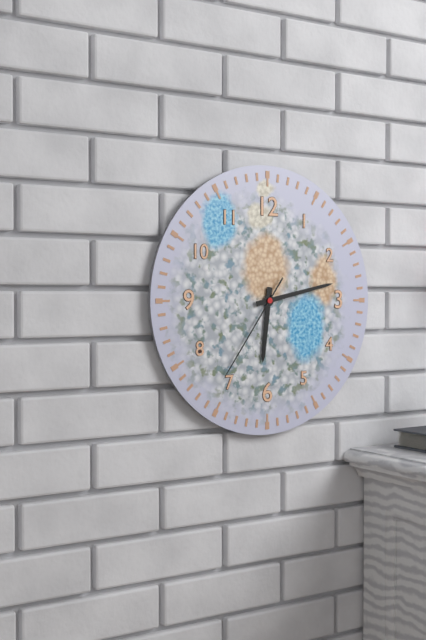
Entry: 6h13m36s
